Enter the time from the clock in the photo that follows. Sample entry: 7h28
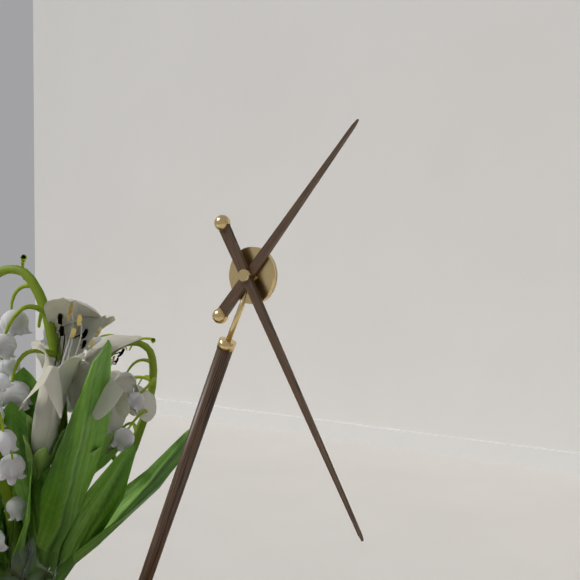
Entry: 1h25
